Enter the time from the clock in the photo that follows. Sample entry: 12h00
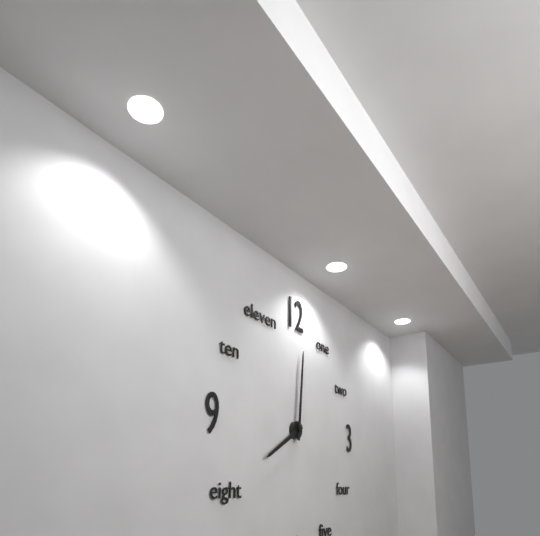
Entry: 8h01
